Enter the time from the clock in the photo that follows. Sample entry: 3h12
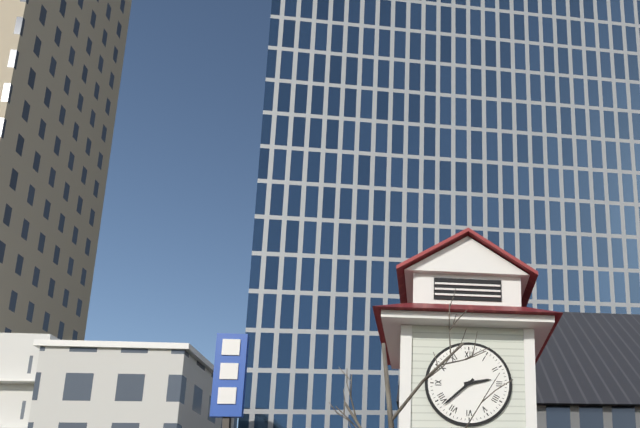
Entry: 2h38
